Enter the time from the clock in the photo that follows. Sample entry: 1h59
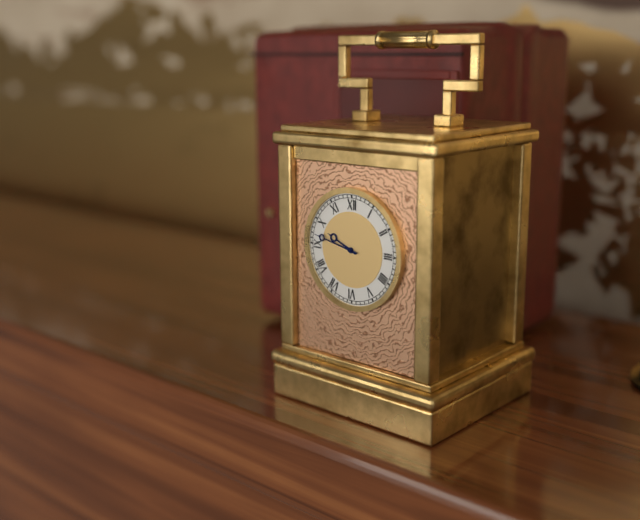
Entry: 9h47
